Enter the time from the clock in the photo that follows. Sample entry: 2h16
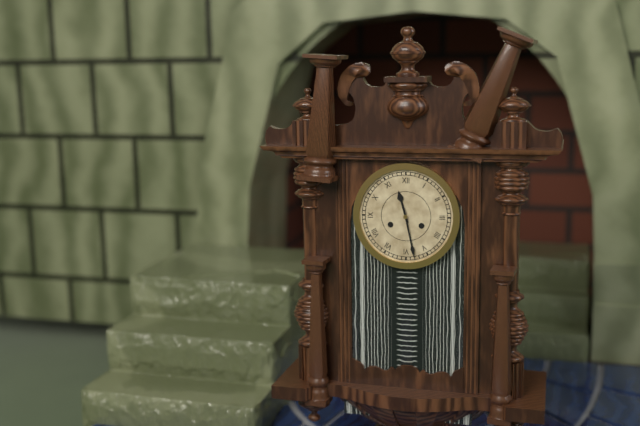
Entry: 11h28
